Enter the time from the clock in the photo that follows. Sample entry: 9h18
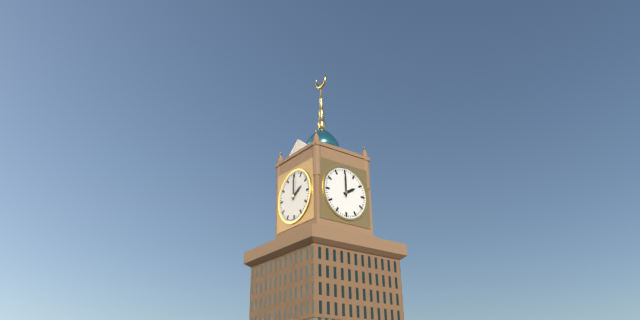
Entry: 2h00
